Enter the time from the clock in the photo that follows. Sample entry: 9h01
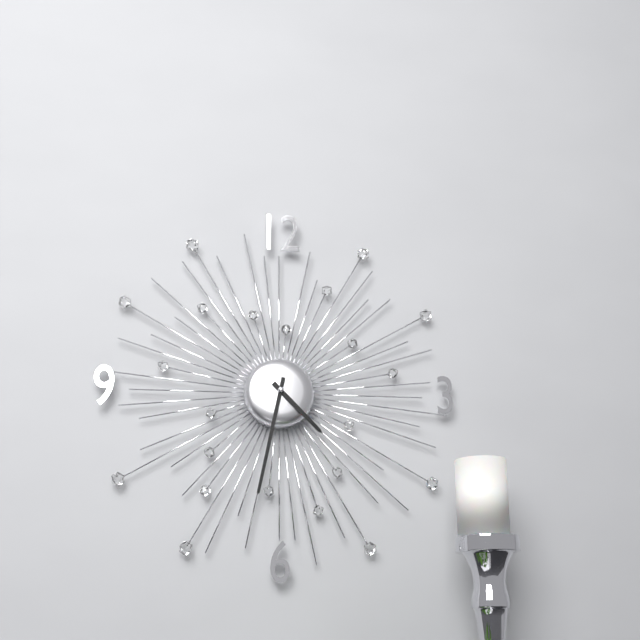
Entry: 4h32
